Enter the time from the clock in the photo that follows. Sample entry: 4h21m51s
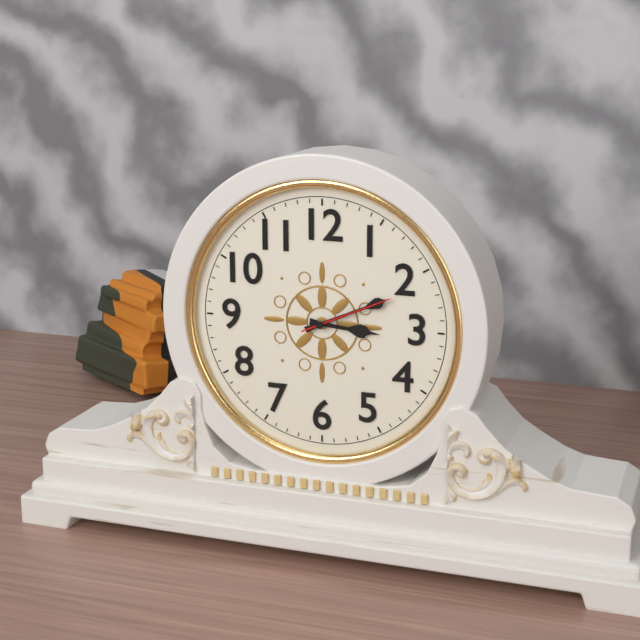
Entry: 3h11m11s
